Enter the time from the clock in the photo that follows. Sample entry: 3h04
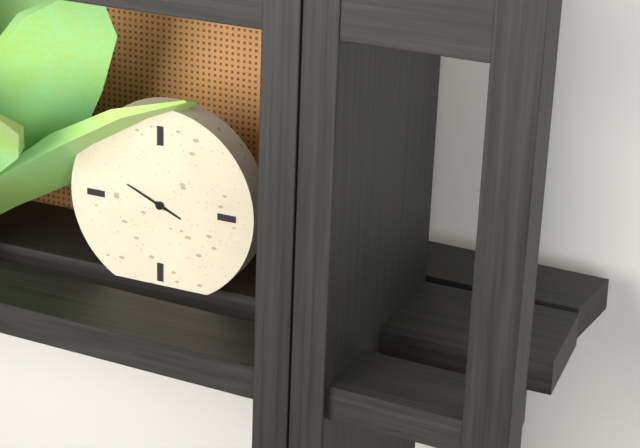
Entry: 3h49
